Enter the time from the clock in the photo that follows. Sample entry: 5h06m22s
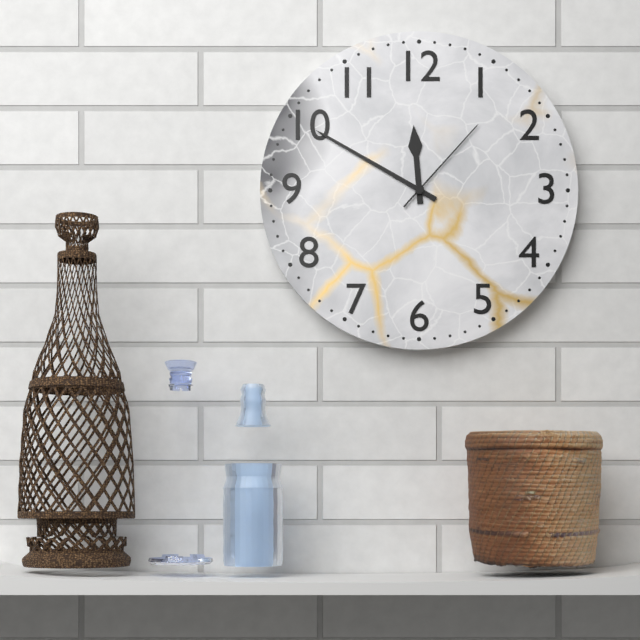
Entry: 11h50m07s
